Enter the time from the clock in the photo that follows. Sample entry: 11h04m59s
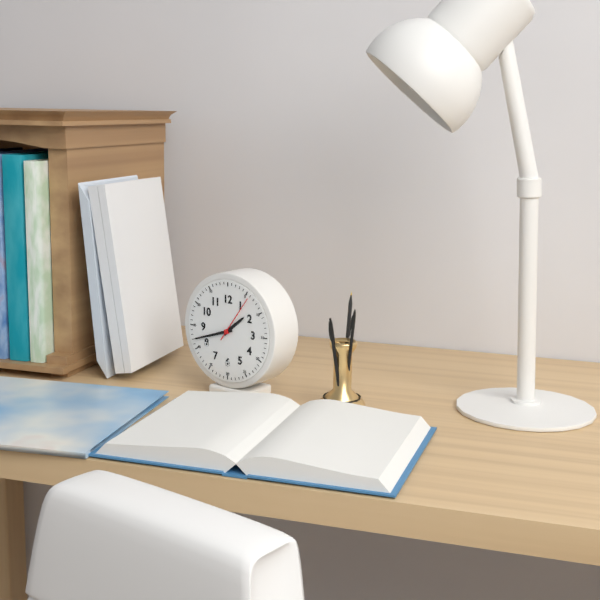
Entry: 1h42m06s
